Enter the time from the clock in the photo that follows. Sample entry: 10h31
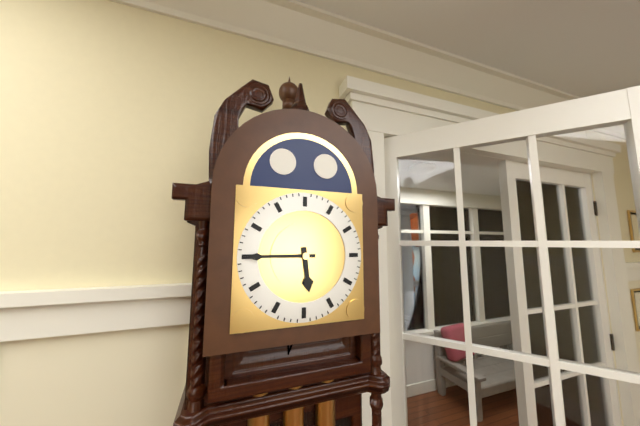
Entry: 5h45
